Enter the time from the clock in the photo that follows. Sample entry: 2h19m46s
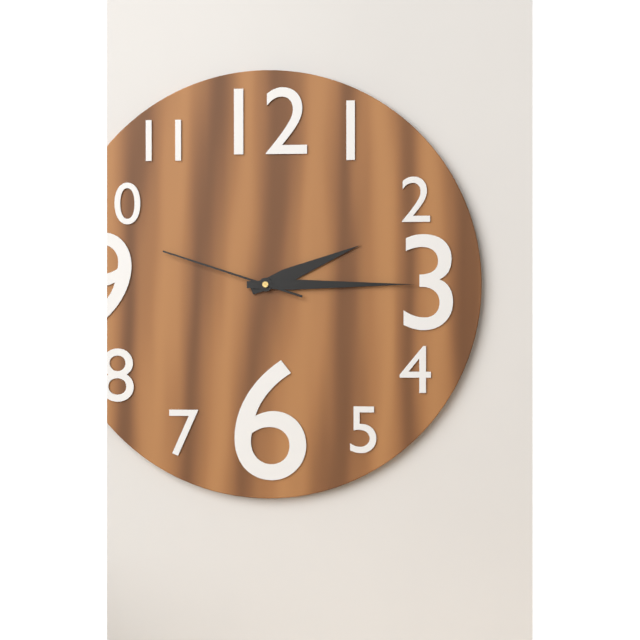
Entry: 2h15m48s
